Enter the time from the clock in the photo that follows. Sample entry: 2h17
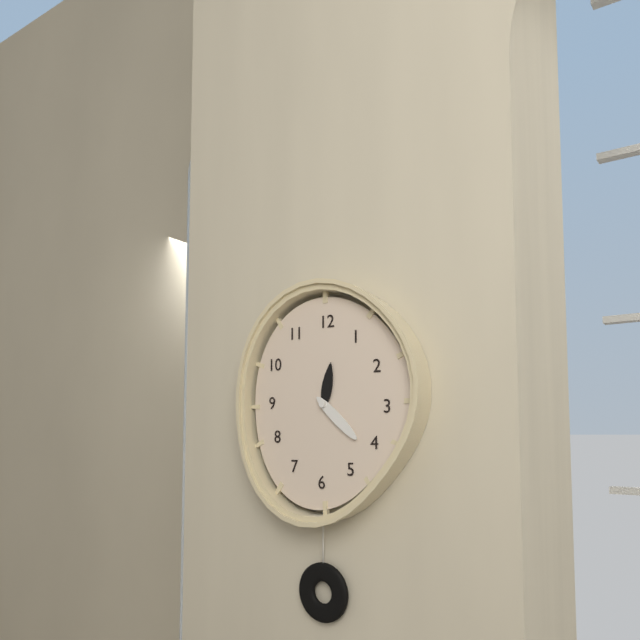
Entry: 12h22
